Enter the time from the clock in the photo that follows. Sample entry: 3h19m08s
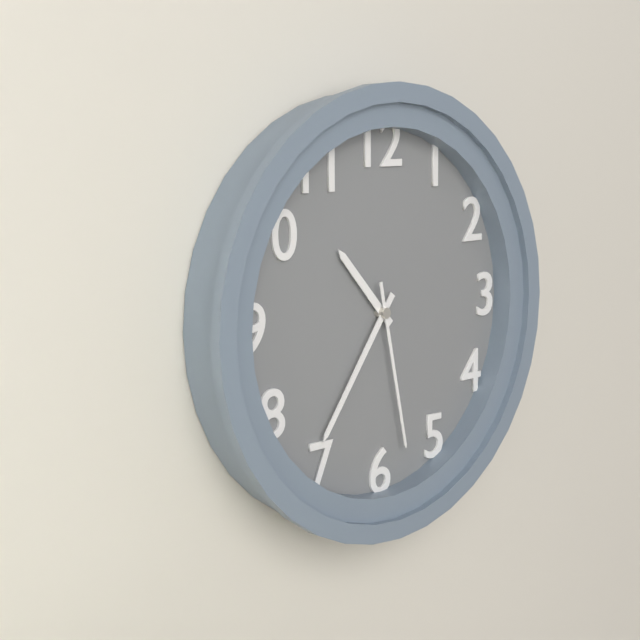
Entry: 10h36m28s
